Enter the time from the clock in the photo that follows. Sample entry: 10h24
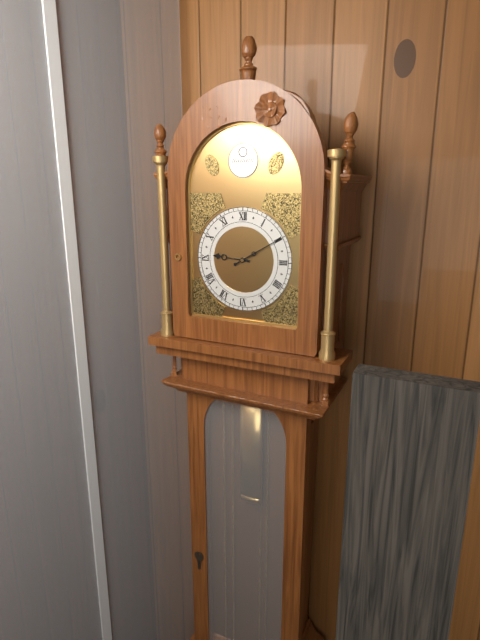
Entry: 9h10
